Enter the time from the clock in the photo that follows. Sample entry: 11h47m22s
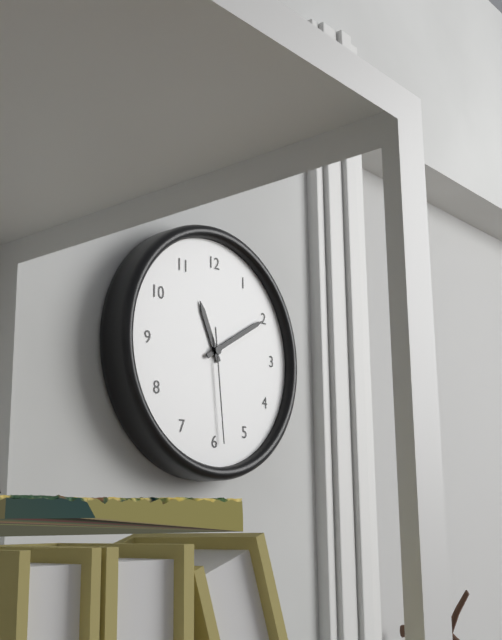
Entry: 11h10m29s
